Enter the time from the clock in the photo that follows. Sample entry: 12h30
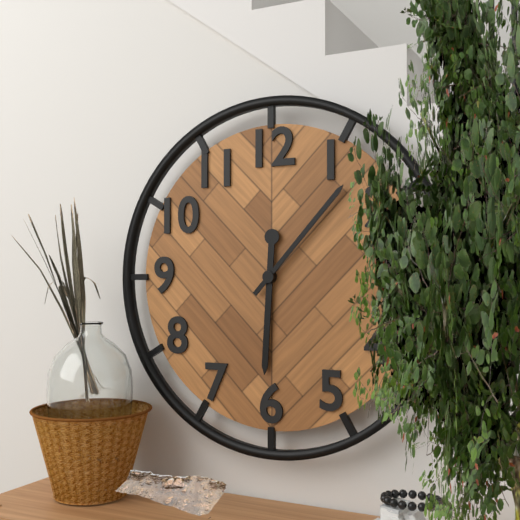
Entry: 6h07
